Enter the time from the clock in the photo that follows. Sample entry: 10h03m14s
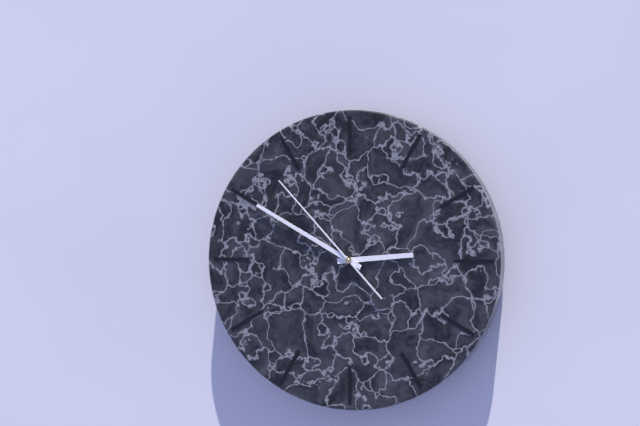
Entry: 2h50m53s
